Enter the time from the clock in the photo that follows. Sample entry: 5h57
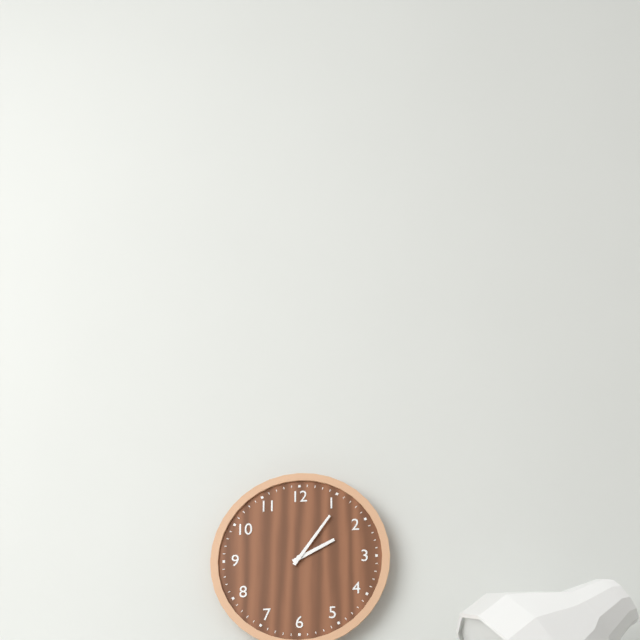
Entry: 2h06
